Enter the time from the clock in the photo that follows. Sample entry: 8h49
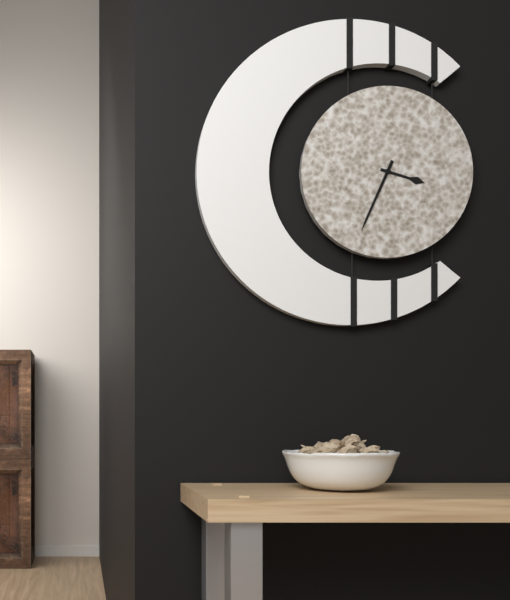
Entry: 3h34
